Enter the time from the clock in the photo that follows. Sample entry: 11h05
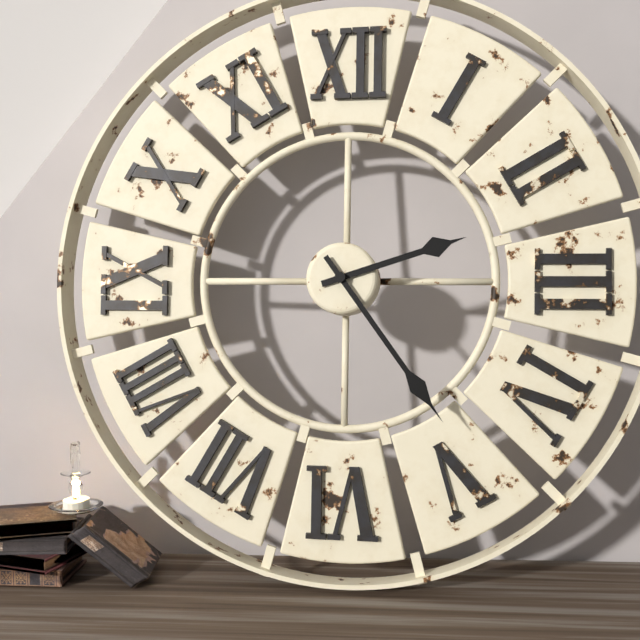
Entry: 2h24
